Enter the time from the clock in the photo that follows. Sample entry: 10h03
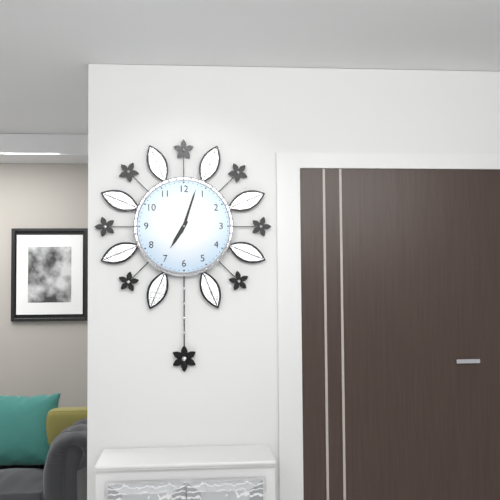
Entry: 7h03
